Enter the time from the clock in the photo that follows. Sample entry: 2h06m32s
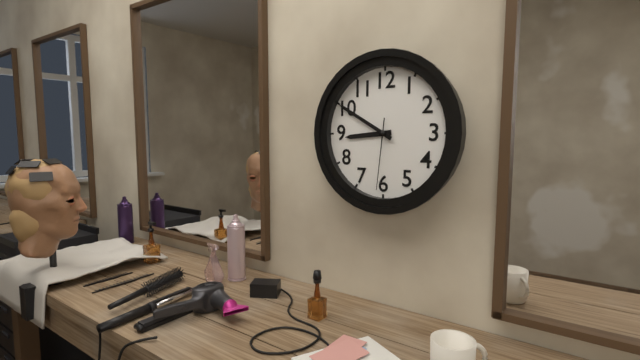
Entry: 8h50m31s
